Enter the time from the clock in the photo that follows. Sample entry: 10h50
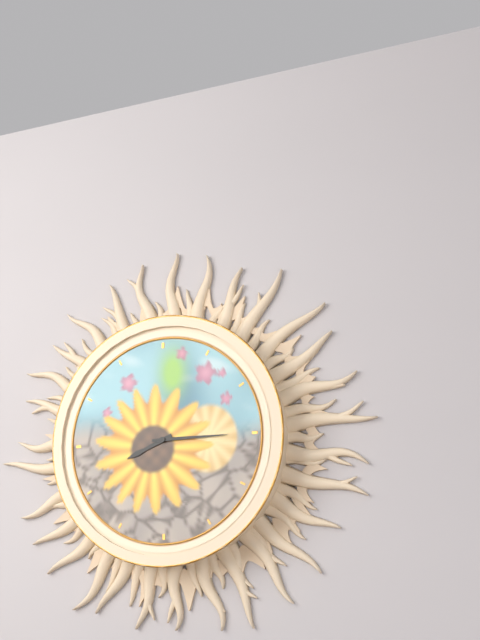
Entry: 8h15
